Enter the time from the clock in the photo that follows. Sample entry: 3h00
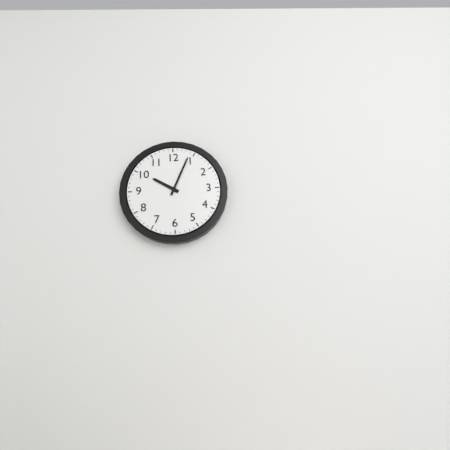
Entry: 10h04
